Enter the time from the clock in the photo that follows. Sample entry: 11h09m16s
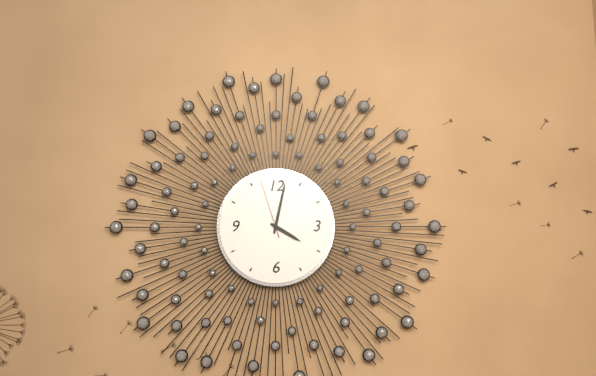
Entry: 4h02m57s
